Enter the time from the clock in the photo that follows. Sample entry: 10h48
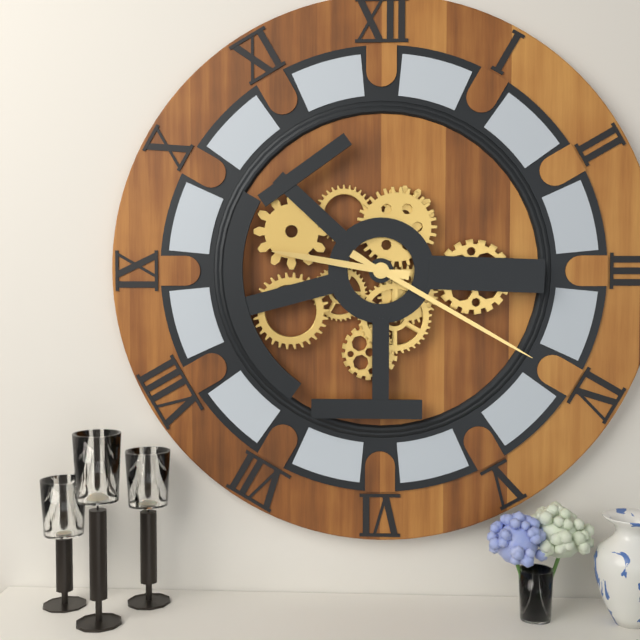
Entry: 9h20
